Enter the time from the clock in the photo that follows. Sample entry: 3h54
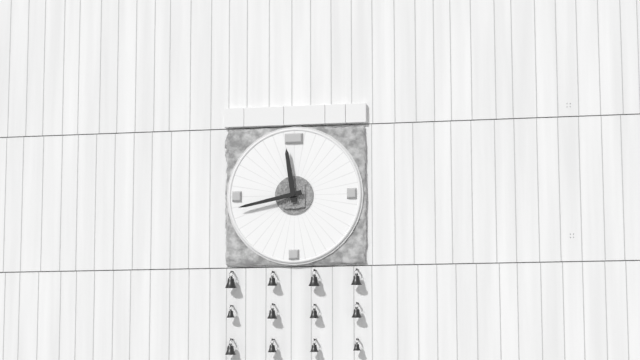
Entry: 11h43
